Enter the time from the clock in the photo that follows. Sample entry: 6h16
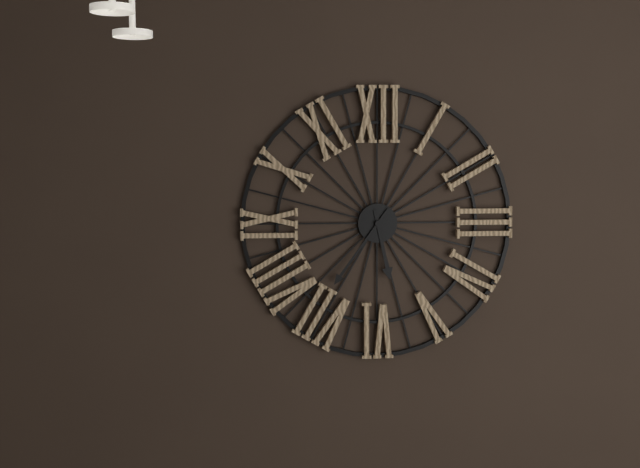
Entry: 5h36
